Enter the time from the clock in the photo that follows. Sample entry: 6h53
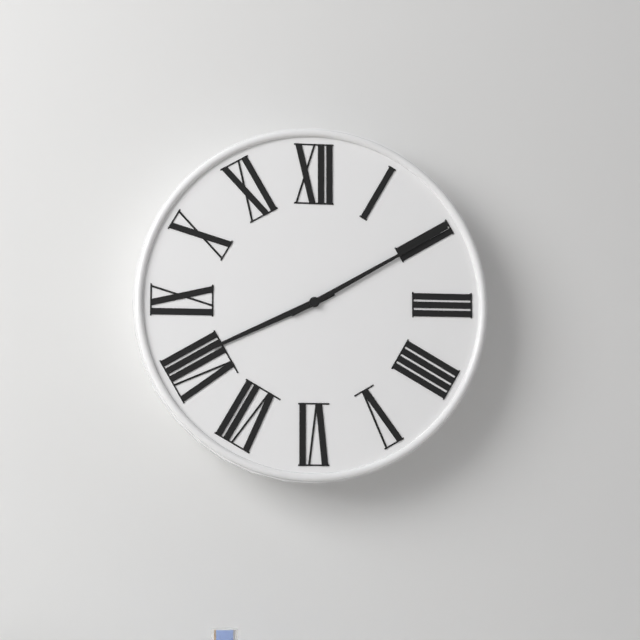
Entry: 8h10
